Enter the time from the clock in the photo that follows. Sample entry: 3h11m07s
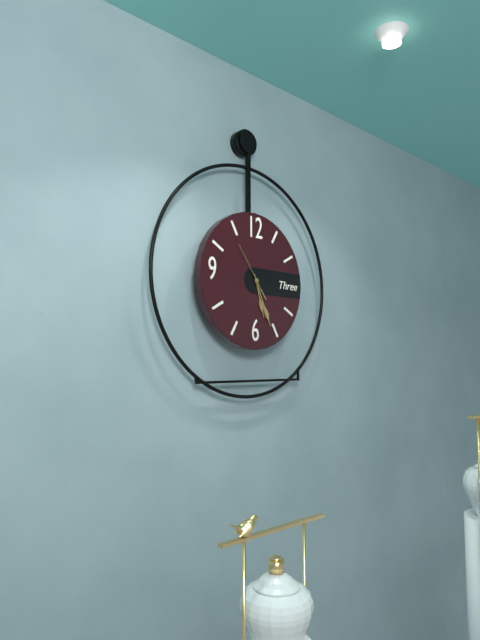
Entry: 5h26m54s
